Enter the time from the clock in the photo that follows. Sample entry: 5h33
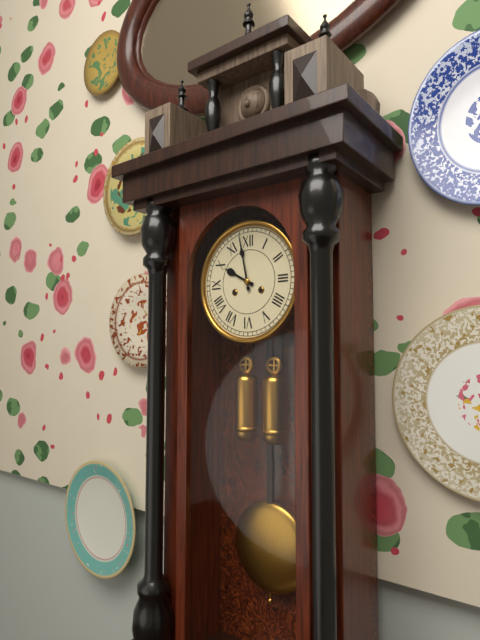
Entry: 9h58
